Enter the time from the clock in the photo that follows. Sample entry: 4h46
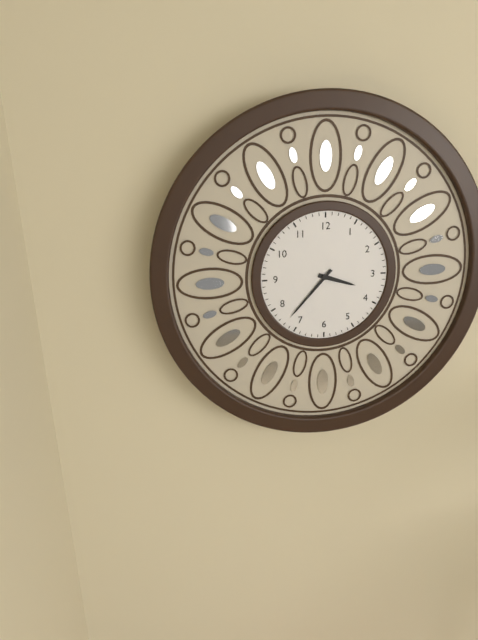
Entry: 3h37
